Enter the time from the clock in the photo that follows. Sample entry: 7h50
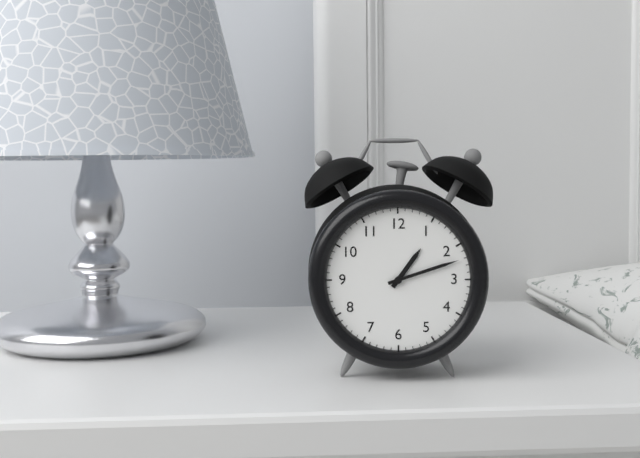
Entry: 1h12
